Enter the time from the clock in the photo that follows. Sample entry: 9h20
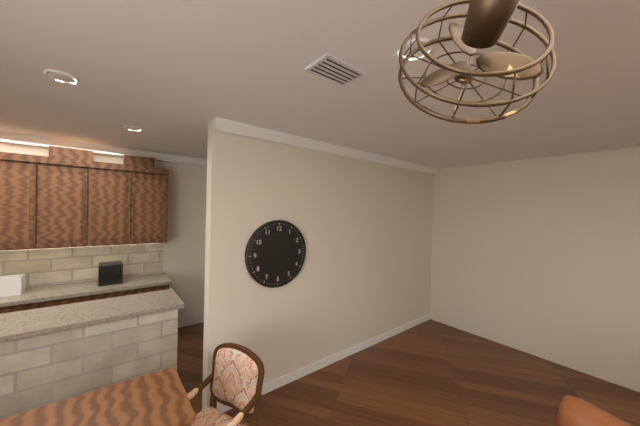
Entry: 7h45
